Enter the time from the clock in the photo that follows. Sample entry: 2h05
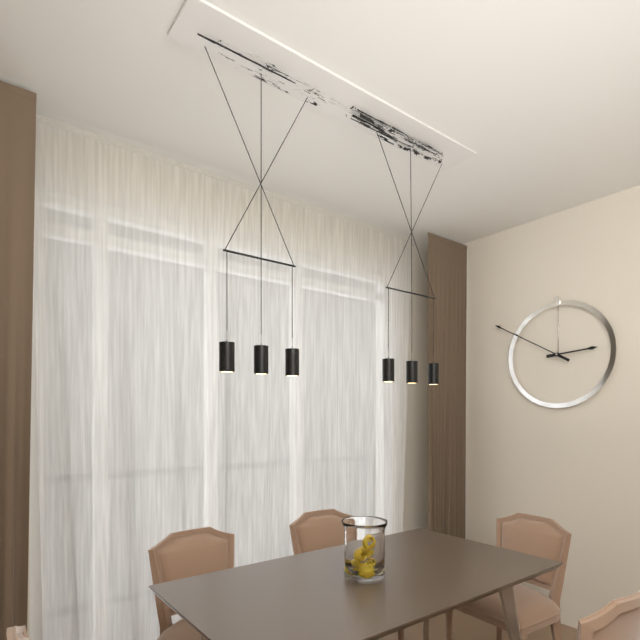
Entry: 2h50
